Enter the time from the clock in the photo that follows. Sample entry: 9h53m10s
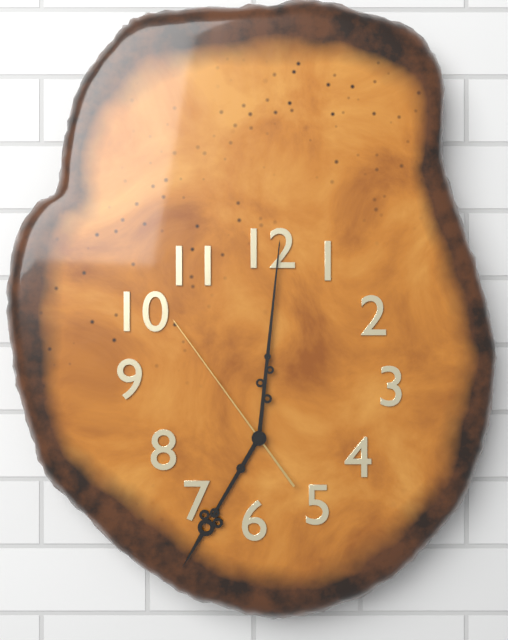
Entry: 7h01m54s
